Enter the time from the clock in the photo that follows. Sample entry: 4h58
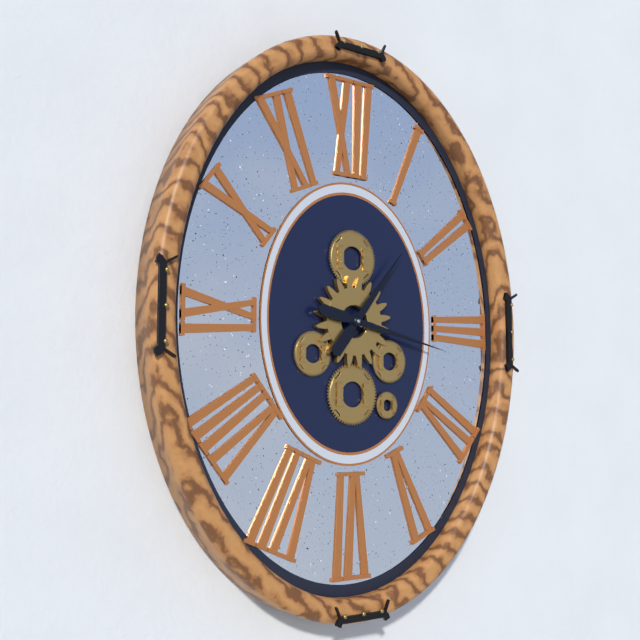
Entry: 1h17
